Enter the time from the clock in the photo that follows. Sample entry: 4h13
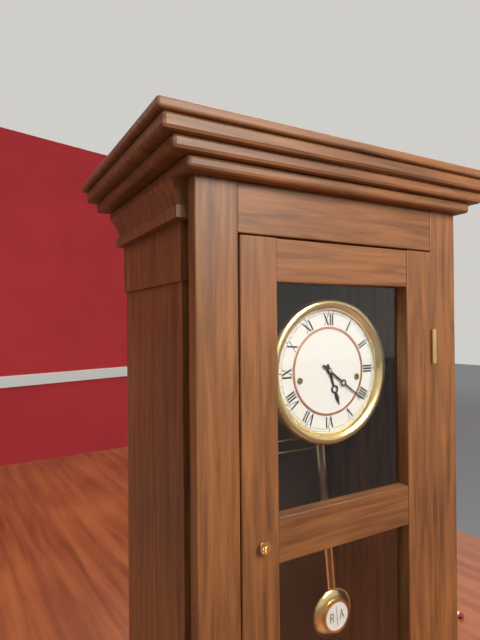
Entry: 5h21
